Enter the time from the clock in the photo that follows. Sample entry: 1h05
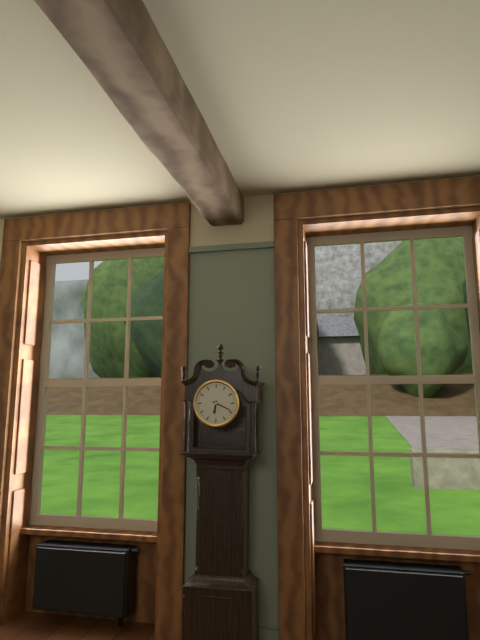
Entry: 6h19
